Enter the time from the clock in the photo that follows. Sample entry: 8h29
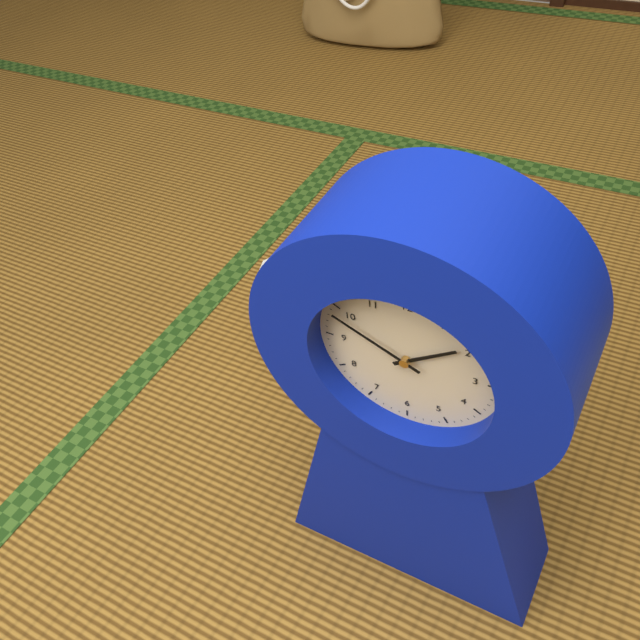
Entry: 1h49
